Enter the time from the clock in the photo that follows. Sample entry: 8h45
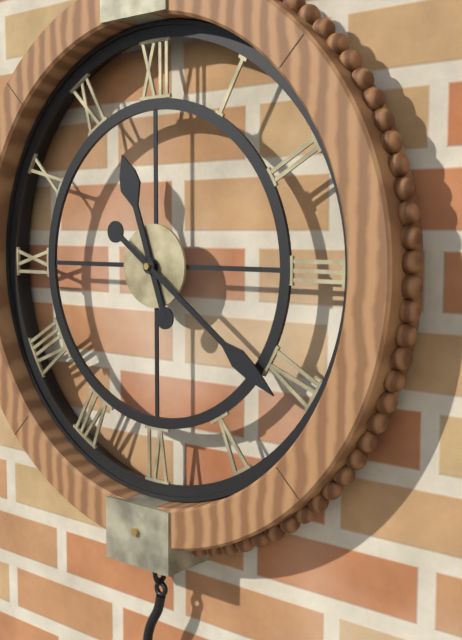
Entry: 11h21
